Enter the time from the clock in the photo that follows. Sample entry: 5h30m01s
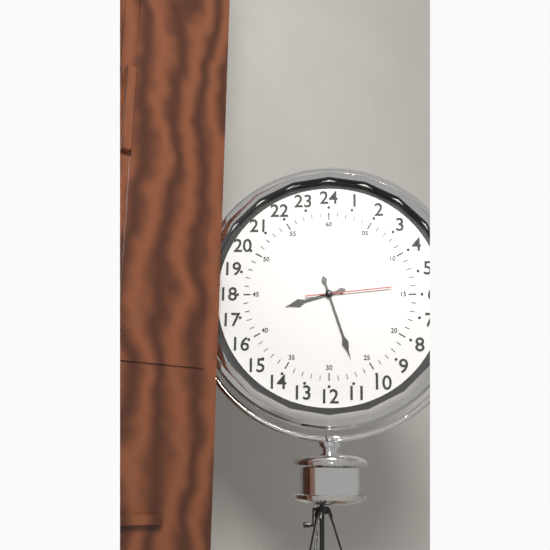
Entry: 8h27m14s
